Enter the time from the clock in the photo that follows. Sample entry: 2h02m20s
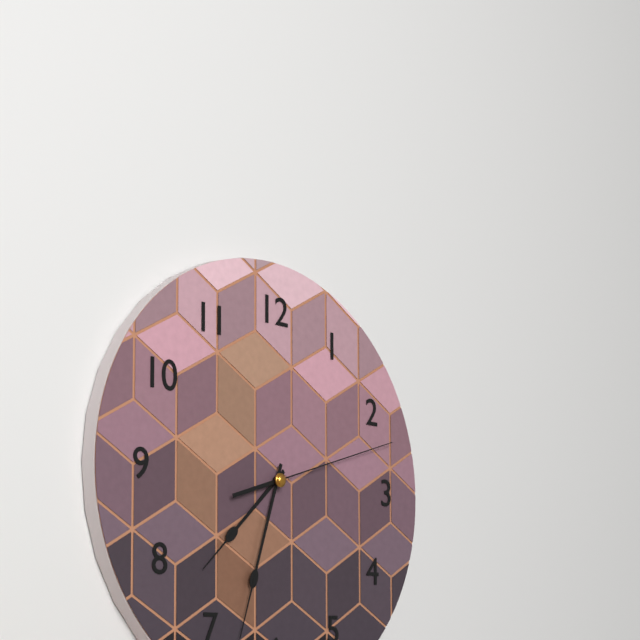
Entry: 7h33m12s
